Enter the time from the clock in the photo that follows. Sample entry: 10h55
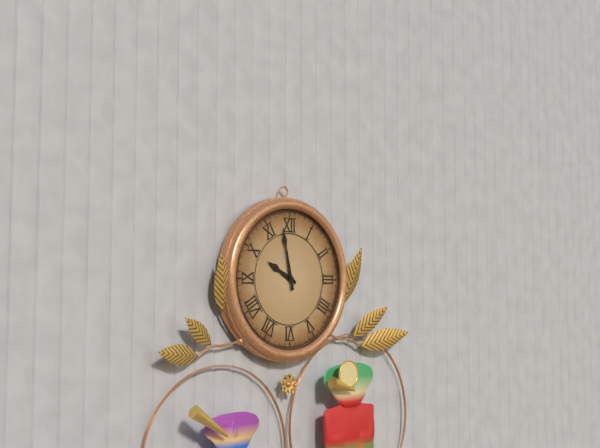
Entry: 9h58
